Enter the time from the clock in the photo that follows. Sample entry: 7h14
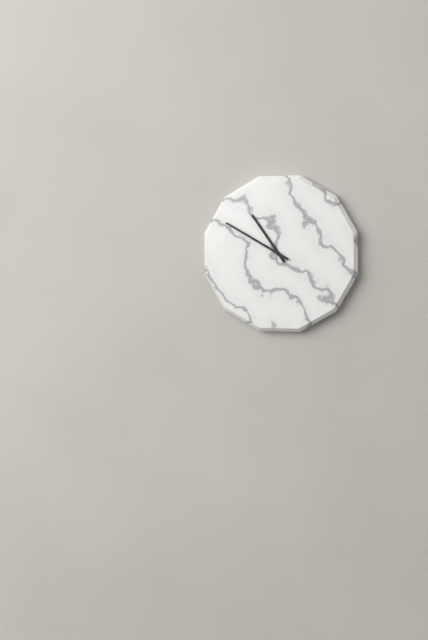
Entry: 10h50
